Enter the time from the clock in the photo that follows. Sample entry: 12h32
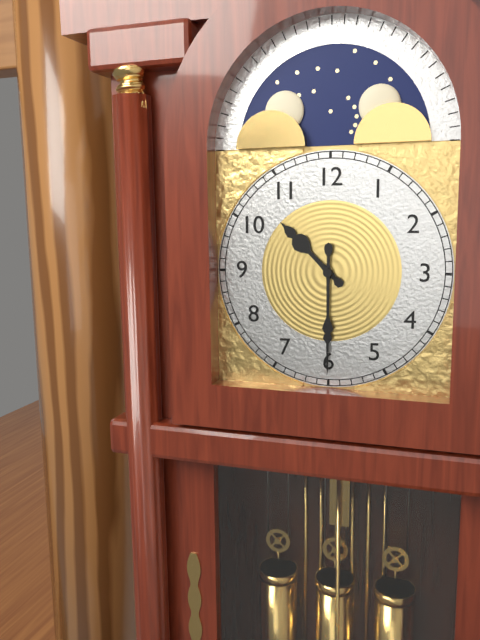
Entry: 10h30
